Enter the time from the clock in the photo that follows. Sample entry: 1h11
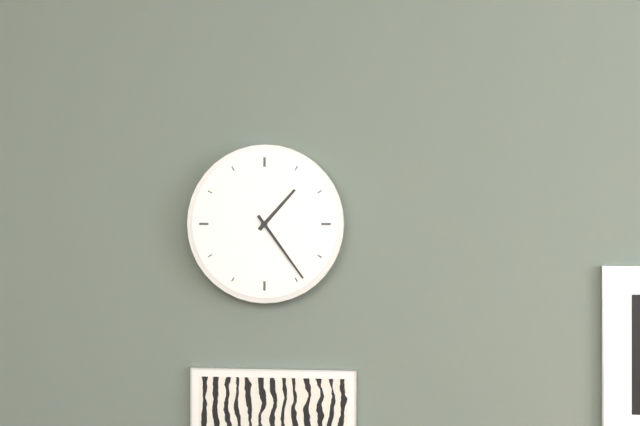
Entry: 1h24
